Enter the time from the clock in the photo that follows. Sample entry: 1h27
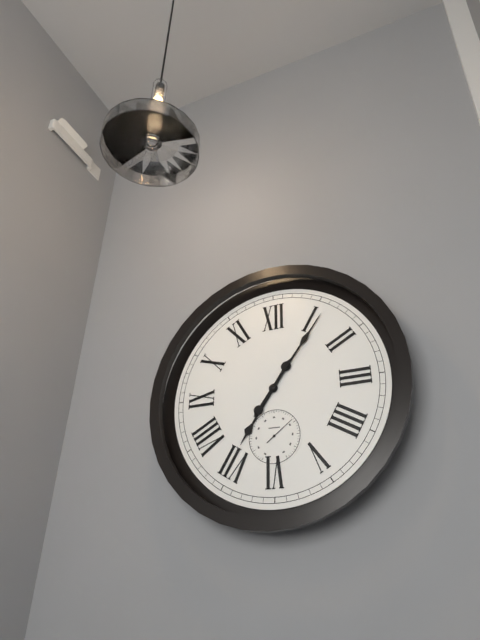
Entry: 7h06
